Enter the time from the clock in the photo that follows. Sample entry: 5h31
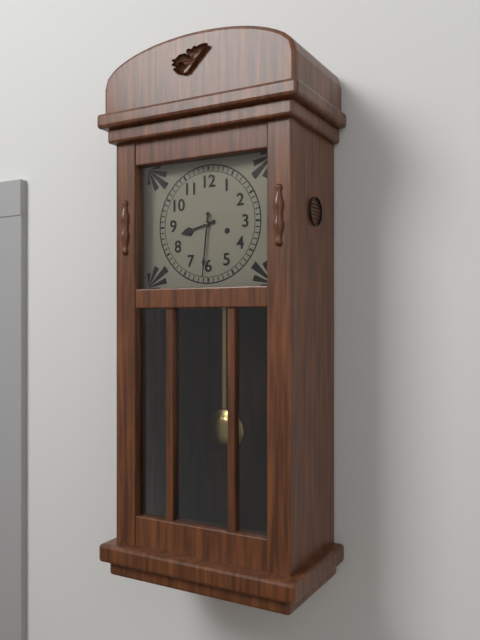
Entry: 8h31
